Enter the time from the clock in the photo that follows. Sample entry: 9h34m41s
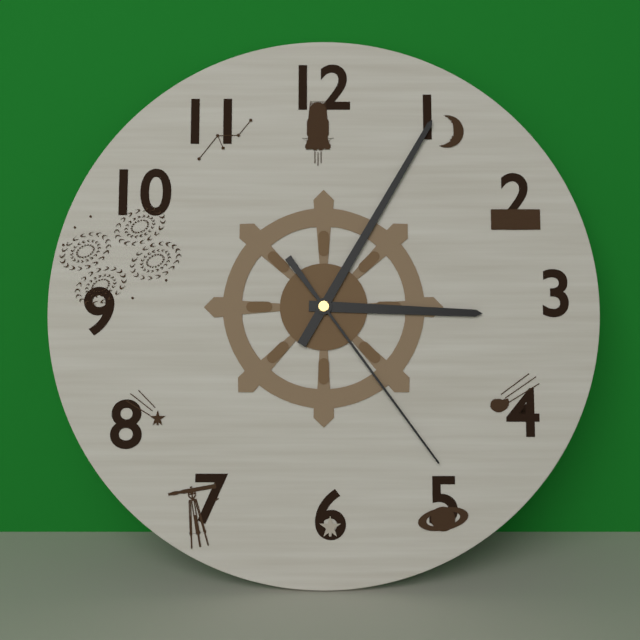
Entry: 3h05m24s
